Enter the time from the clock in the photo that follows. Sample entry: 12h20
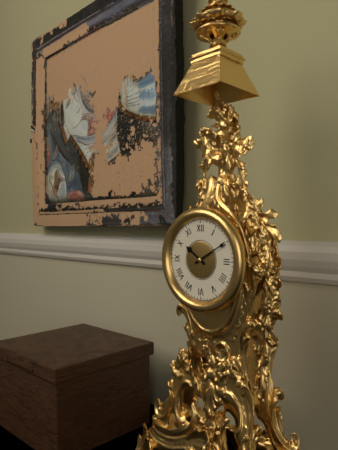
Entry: 10h10
